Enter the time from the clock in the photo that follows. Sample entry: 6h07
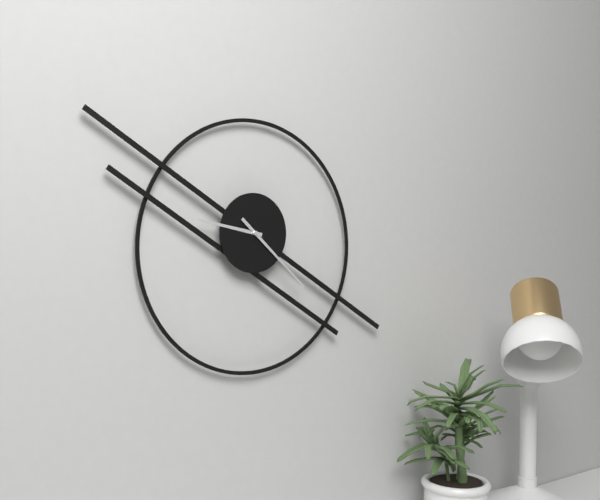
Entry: 9h22
